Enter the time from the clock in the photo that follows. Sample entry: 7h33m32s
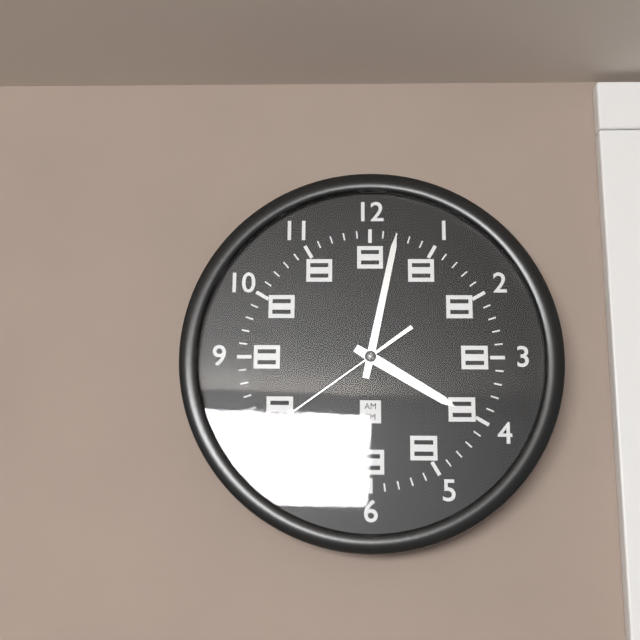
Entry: 4h02m39s
